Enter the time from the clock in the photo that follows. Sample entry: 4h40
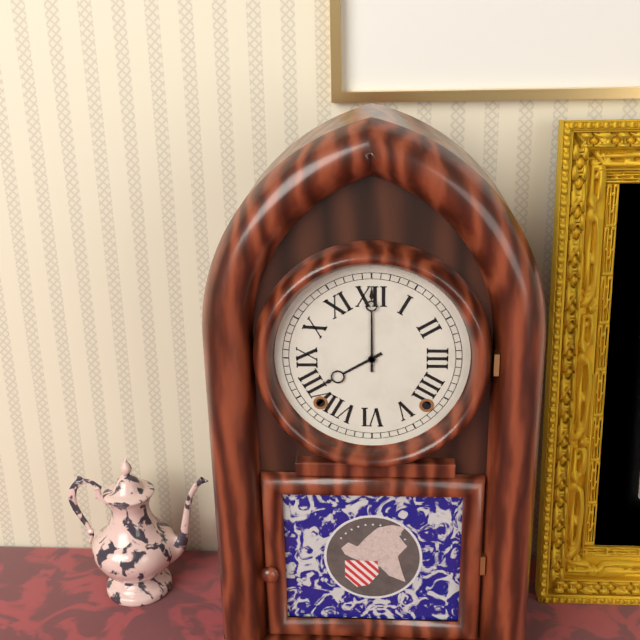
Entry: 8h00
